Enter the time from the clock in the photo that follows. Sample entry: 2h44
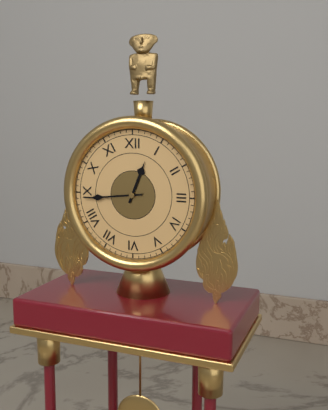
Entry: 12h44
